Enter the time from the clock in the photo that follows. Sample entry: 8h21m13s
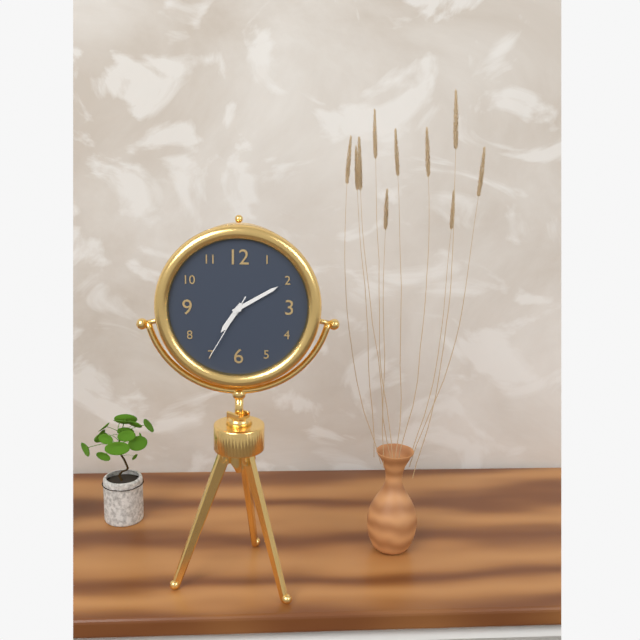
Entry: 7h10m35s
